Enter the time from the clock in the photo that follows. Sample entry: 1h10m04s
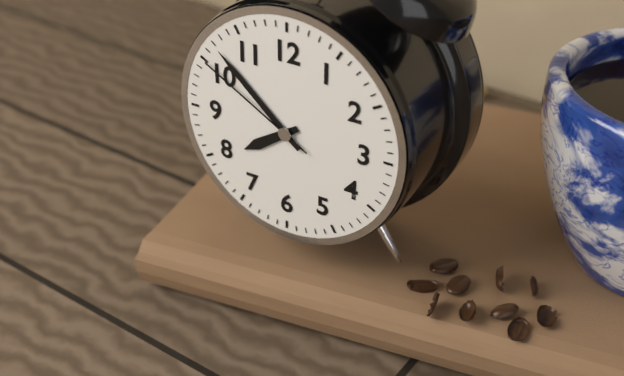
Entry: 7h52m50s
